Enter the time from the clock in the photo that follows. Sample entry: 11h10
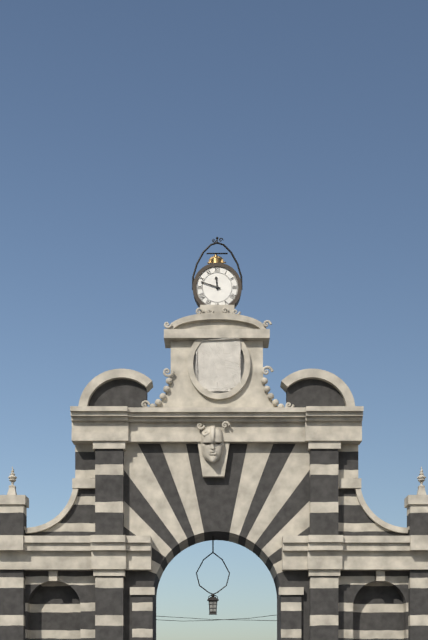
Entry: 11h48
